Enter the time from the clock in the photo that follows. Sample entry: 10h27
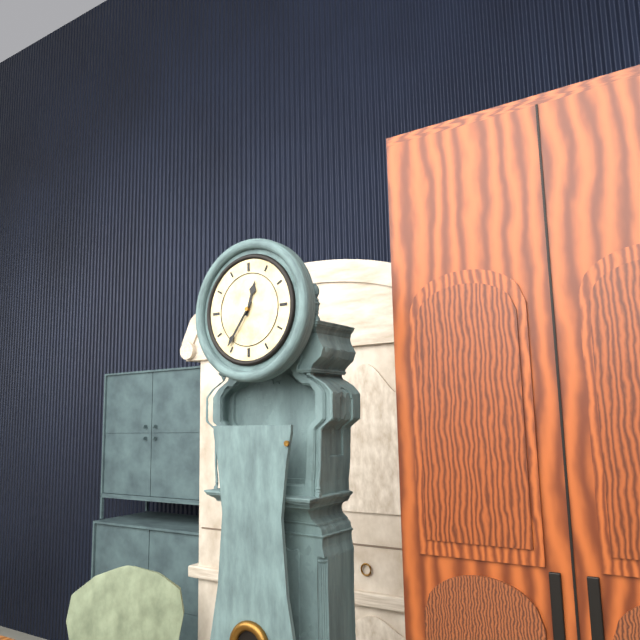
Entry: 12h36
